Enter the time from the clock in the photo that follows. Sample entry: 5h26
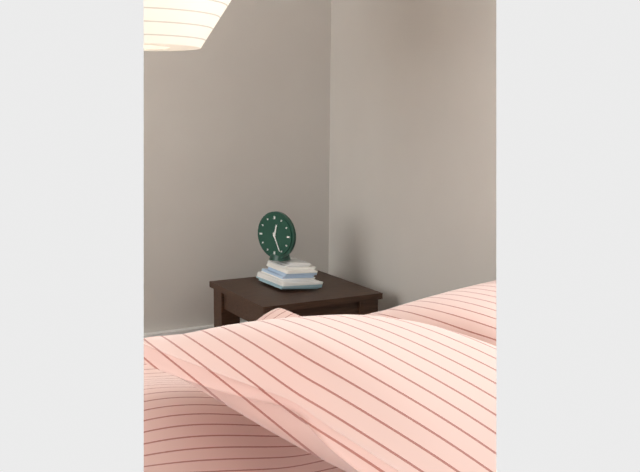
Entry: 12h26
